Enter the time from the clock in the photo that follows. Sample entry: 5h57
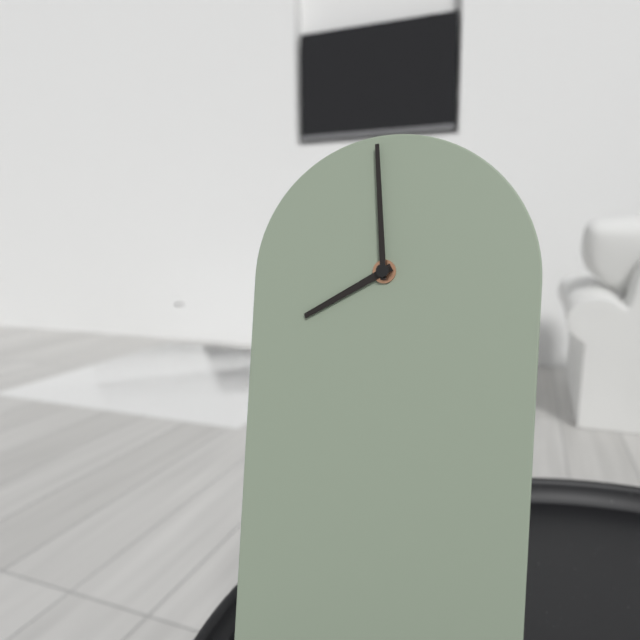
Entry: 7h59
